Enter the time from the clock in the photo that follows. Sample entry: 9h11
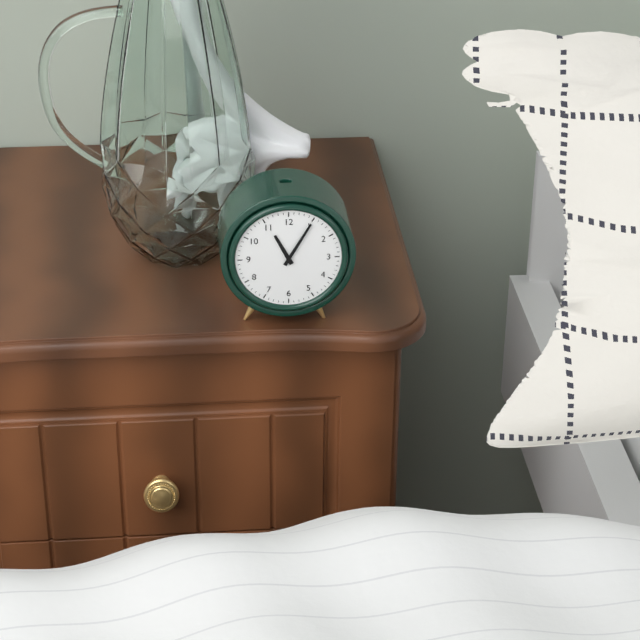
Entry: 11h05
